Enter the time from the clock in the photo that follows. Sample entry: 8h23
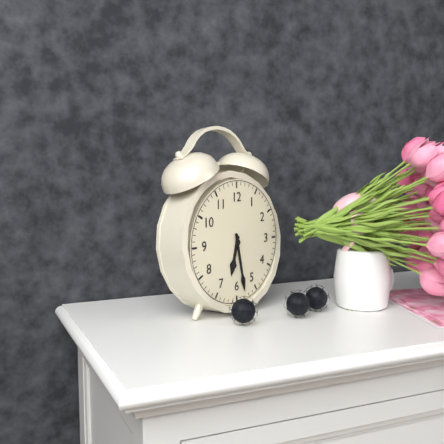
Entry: 6h28
